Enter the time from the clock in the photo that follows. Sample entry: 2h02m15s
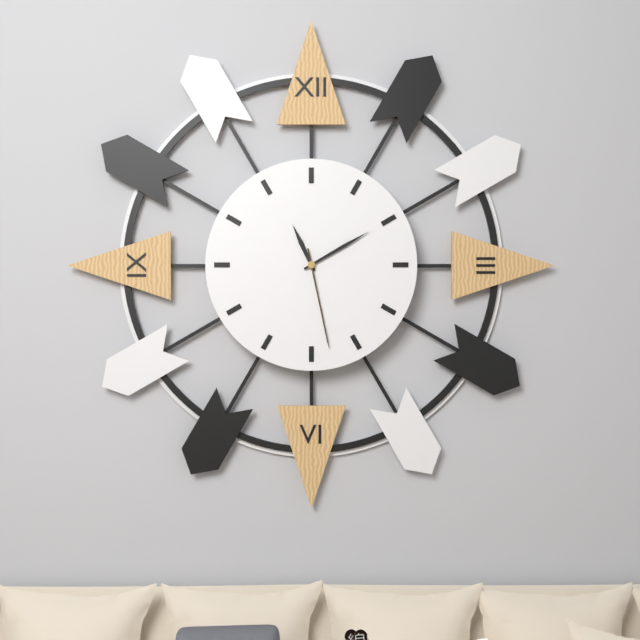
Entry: 11h10m28s
